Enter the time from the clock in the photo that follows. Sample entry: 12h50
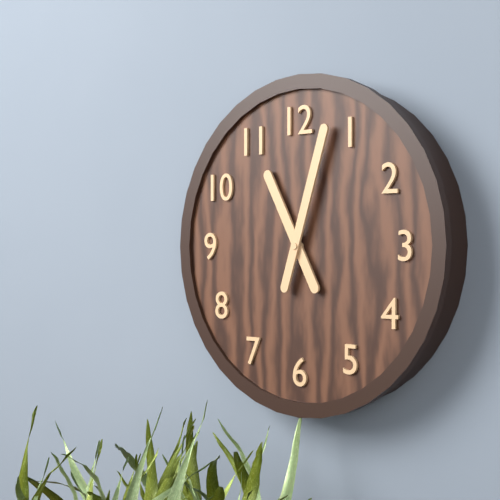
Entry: 11h03
